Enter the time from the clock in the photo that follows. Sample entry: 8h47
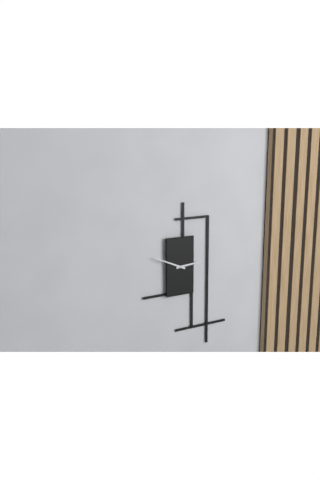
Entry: 2h49
